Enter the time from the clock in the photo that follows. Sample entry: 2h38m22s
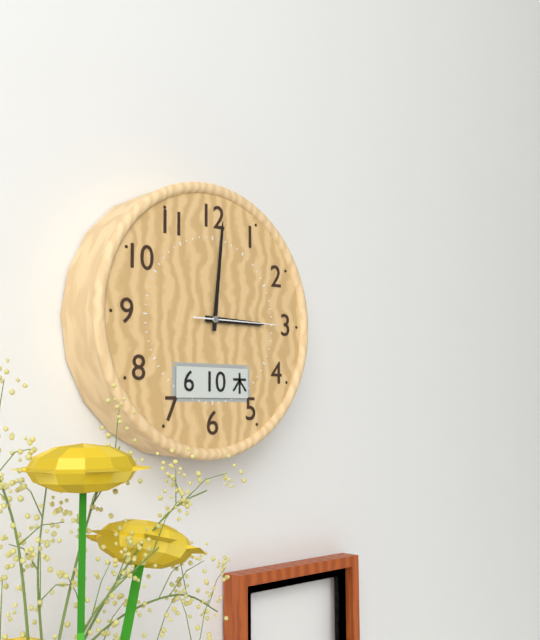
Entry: 3h01m15s
